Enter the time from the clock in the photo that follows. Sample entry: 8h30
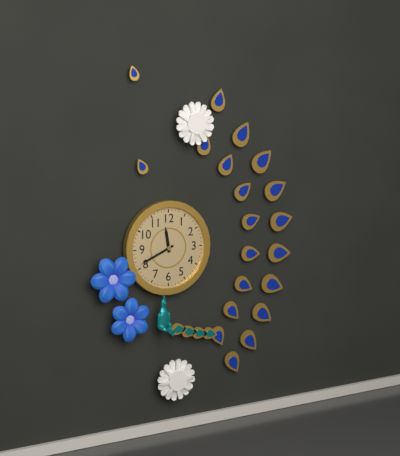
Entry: 11h41
